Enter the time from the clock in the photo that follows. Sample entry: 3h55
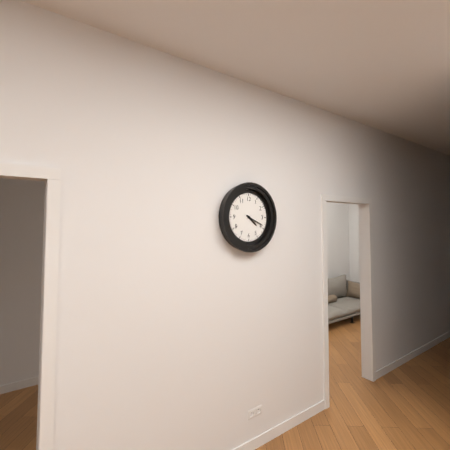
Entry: 4h19
